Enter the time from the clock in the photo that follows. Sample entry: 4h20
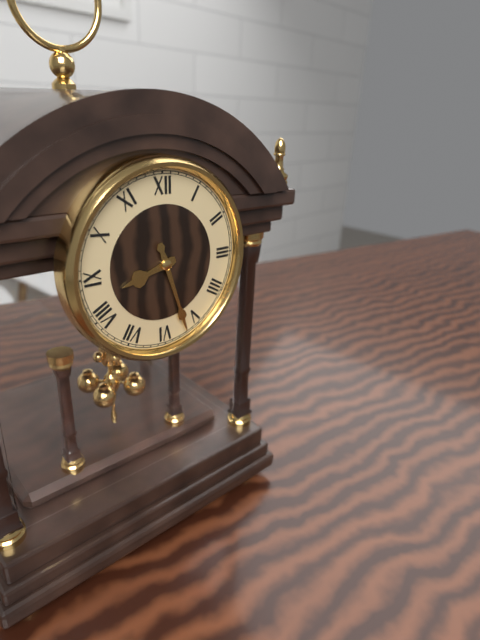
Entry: 8h27
